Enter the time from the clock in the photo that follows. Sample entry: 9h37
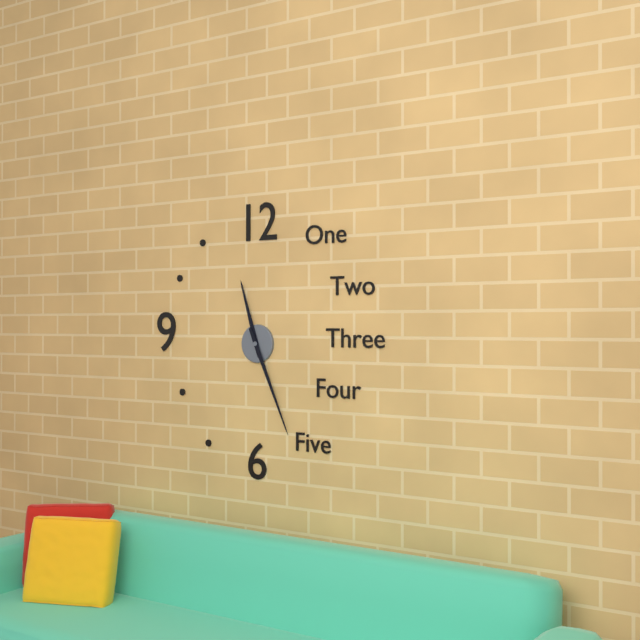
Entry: 11h26
